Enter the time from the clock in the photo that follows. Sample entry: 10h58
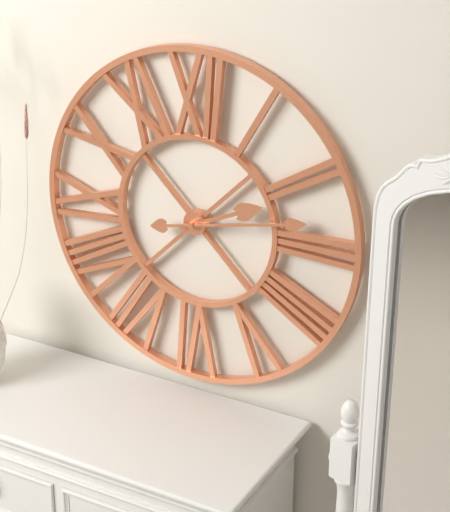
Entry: 2h13
